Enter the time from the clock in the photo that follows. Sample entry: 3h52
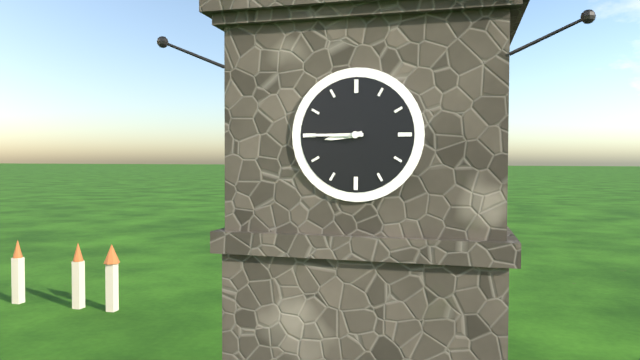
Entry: 8h45
